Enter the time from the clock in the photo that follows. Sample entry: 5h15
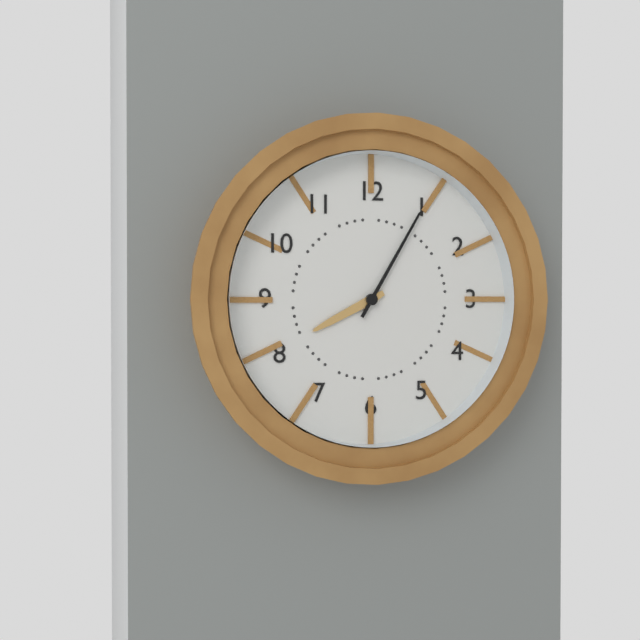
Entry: 8h05
